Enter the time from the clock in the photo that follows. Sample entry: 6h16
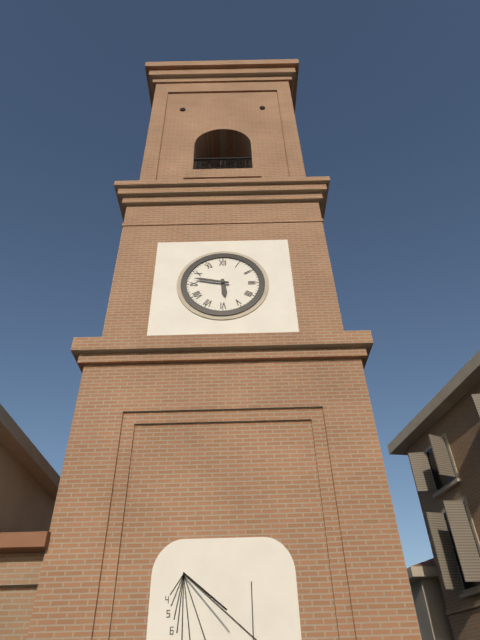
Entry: 5h47
